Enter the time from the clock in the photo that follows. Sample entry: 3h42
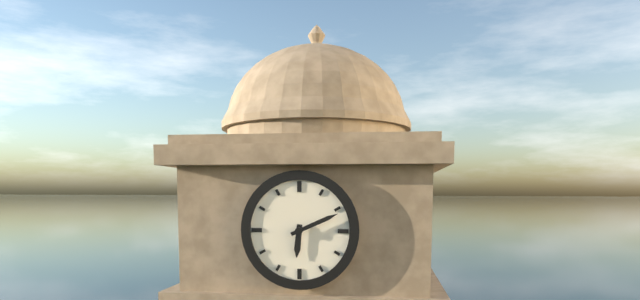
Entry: 6h11
